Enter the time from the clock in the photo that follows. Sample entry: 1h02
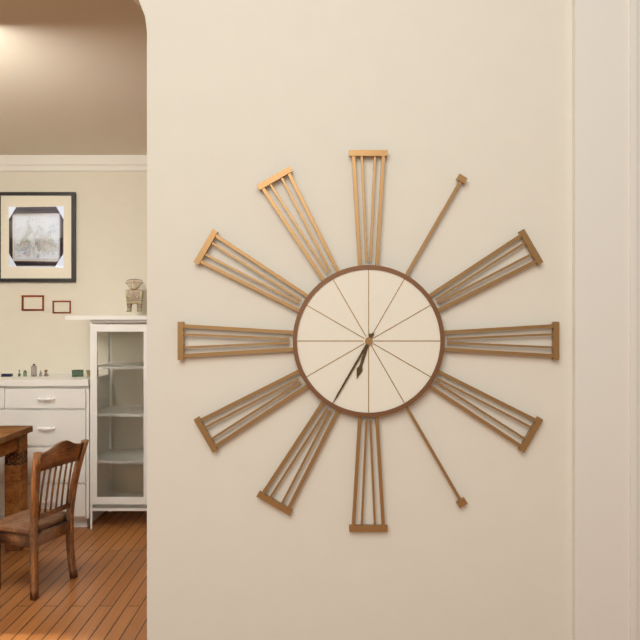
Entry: 6h35
